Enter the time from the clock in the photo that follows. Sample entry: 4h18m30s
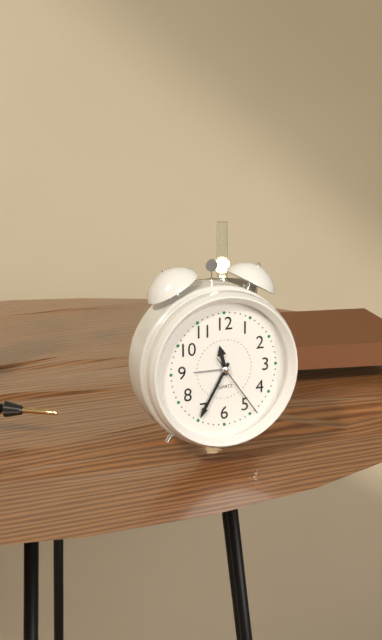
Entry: 11h35m24s
